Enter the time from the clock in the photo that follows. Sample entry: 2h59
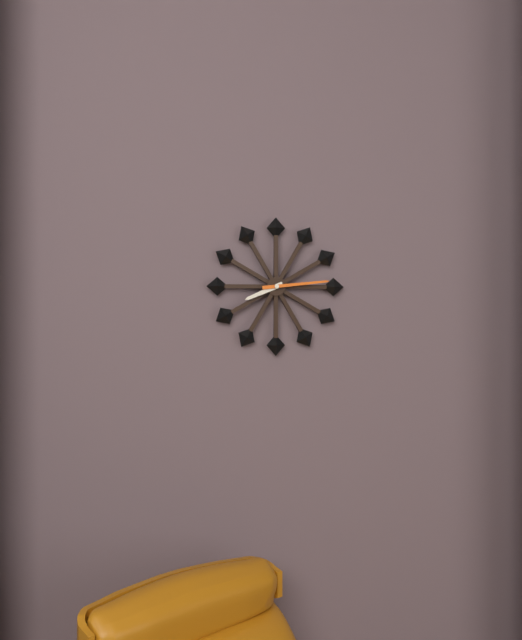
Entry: 8h14
